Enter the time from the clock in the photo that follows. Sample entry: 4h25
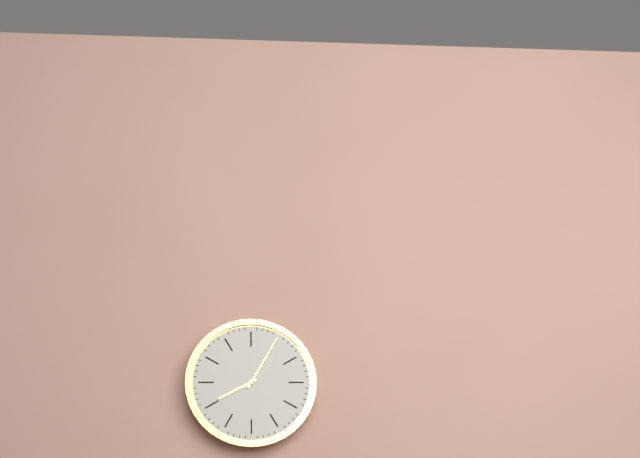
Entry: 8h05
